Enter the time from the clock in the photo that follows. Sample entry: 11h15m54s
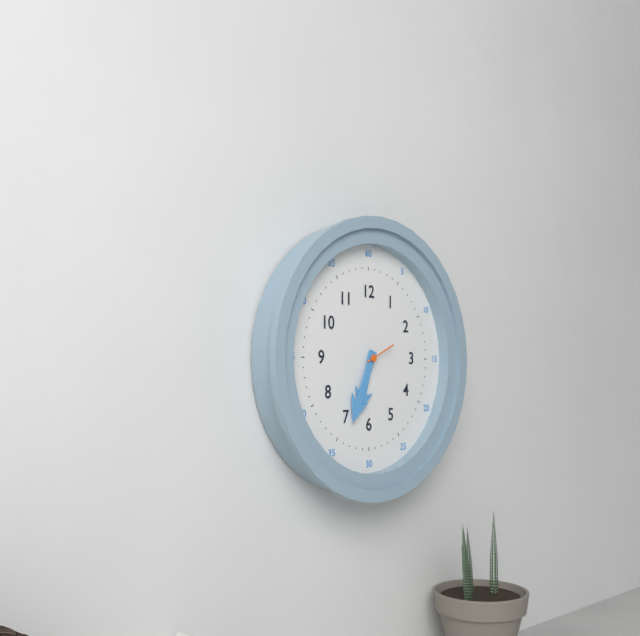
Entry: 6h34m11s
